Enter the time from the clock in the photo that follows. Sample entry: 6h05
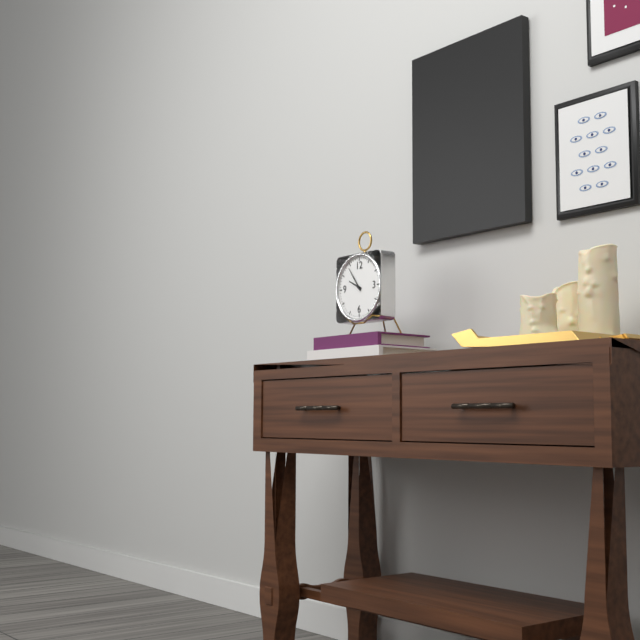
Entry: 9h54
